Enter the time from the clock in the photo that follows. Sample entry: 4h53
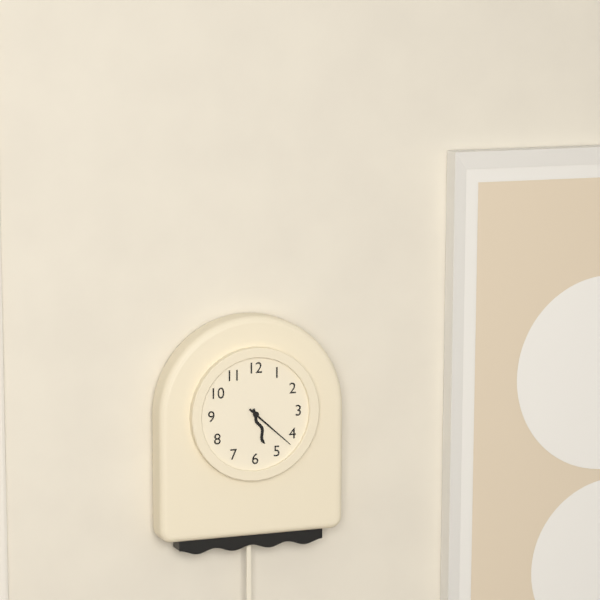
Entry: 5h22
